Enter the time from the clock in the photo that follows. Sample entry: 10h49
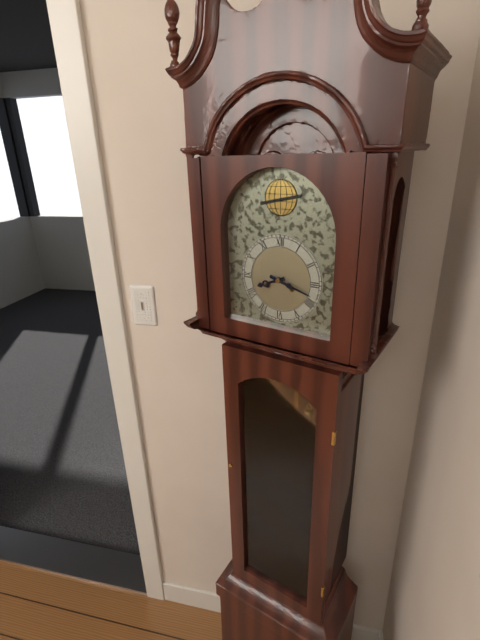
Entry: 8h18
